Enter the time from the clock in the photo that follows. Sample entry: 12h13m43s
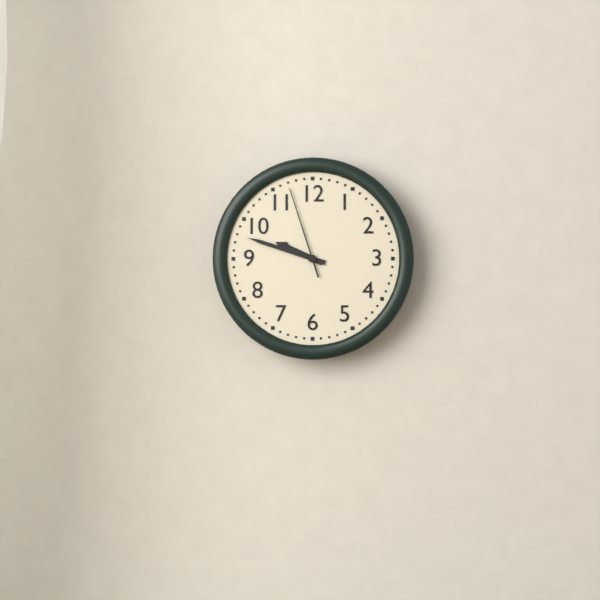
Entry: 9h48m57s
